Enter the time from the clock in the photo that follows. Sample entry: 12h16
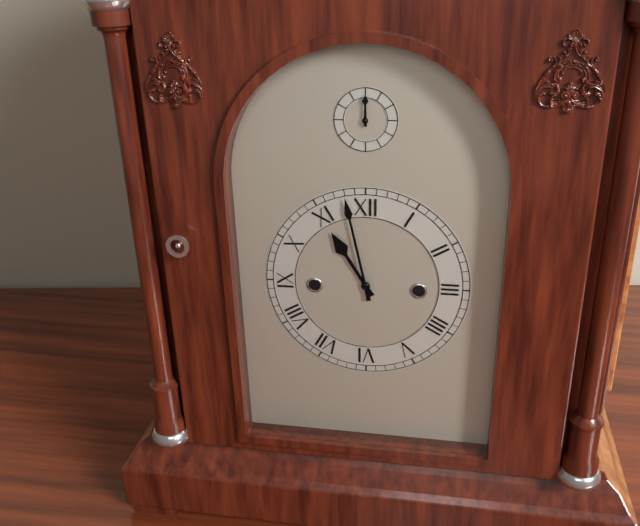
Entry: 10h58
